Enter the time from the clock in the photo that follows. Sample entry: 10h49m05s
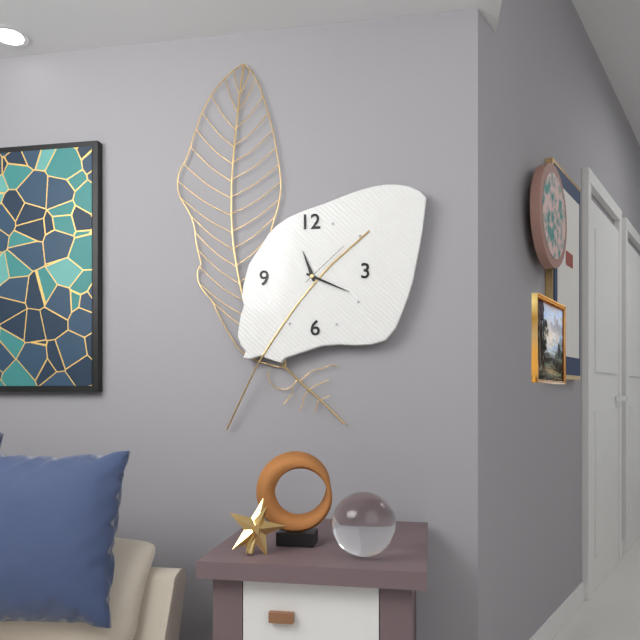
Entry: 11h19m08s
